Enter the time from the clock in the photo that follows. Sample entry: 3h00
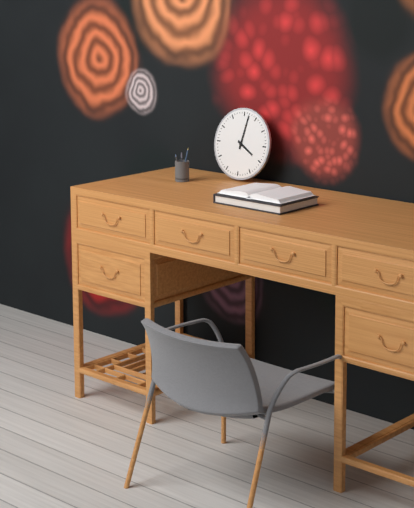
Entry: 4h02
